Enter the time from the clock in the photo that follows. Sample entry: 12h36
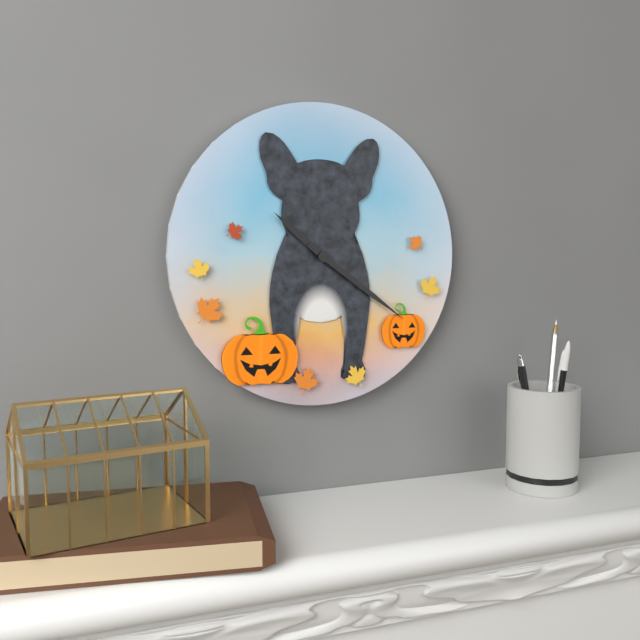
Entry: 10h21
